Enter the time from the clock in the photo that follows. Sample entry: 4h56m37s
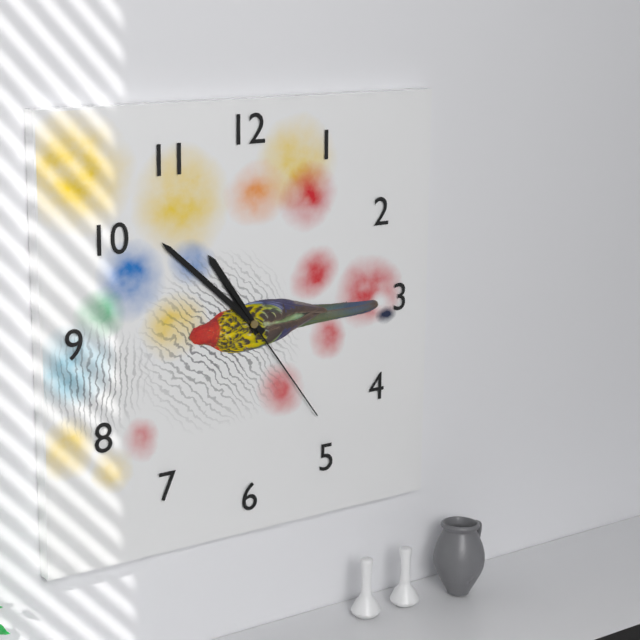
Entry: 10h52m24s
